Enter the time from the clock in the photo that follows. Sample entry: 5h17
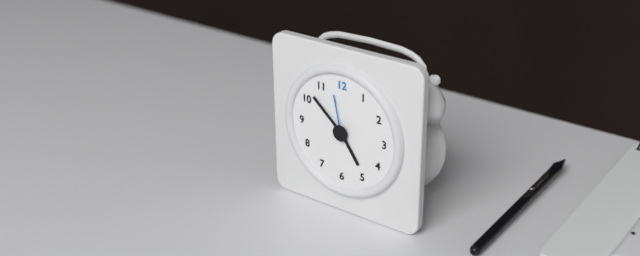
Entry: 4h52
